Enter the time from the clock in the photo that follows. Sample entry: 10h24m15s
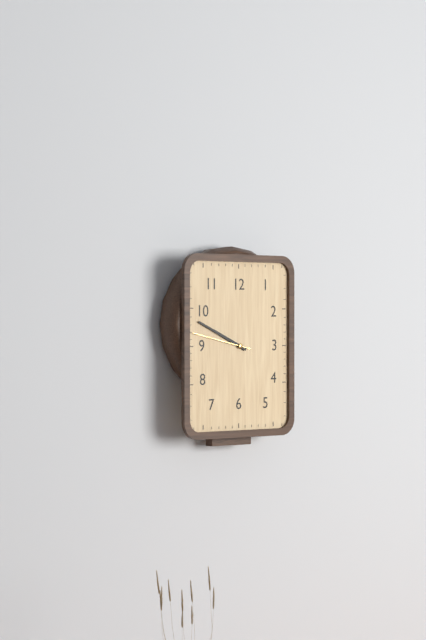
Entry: 9h49m47s
